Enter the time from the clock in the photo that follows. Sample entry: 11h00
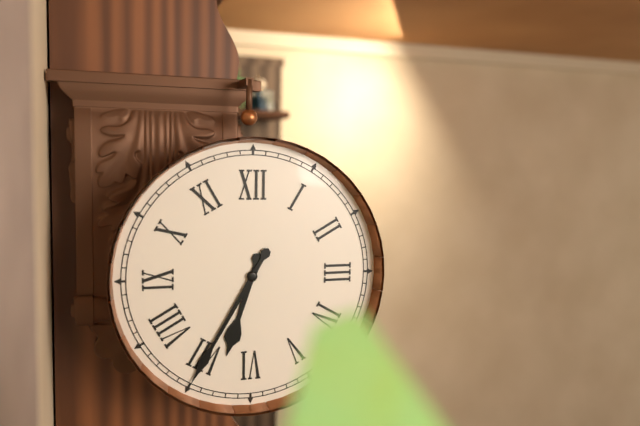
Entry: 6h35
